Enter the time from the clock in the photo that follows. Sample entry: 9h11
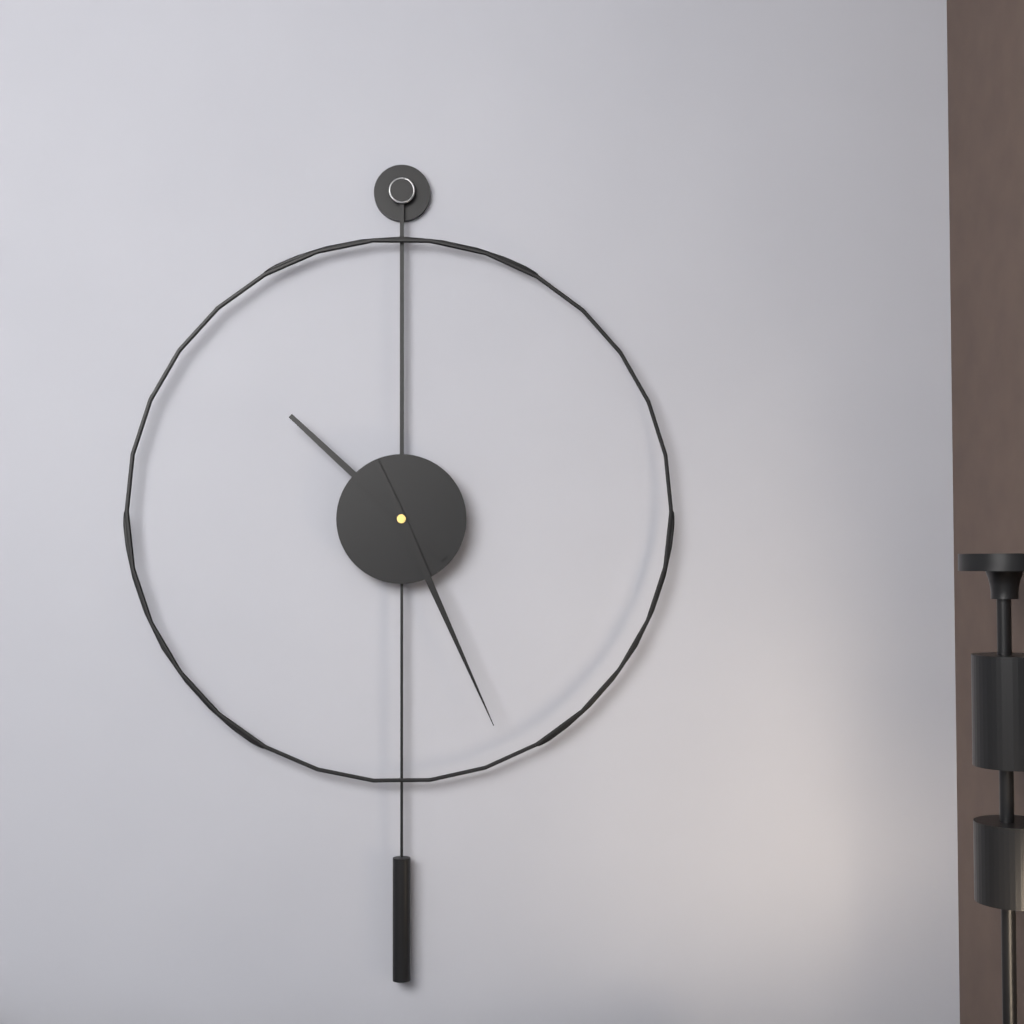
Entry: 10h26
